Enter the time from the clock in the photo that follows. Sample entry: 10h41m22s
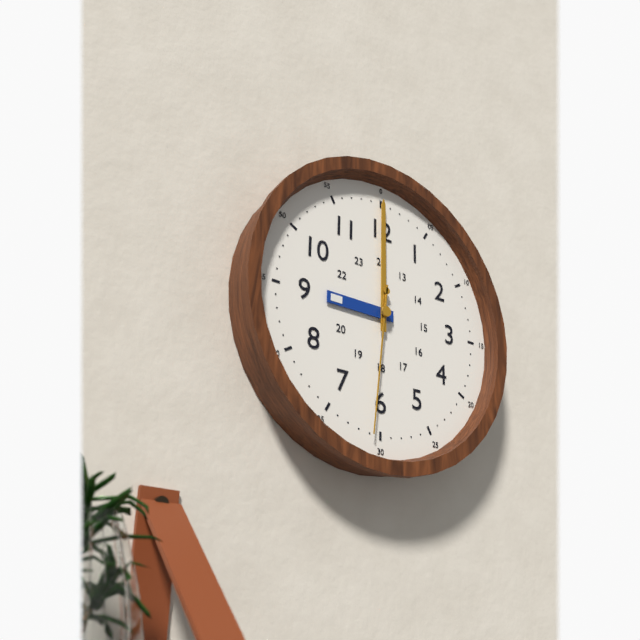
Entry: 9h00m31s
